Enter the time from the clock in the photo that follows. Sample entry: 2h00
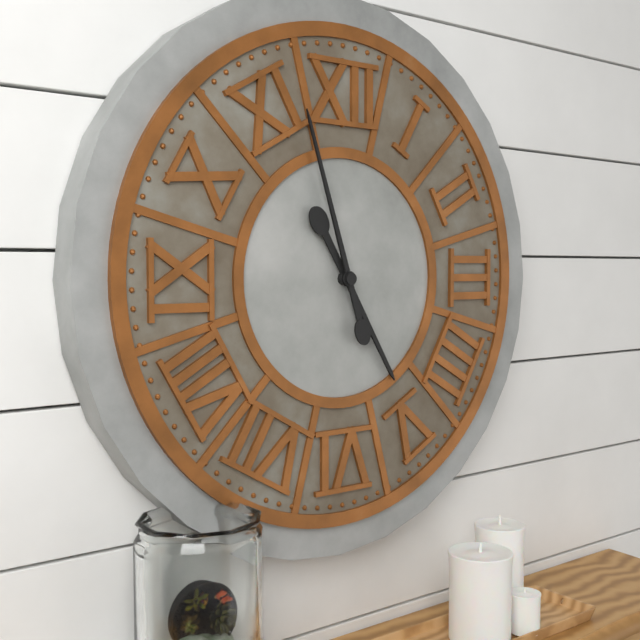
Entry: 4h57
